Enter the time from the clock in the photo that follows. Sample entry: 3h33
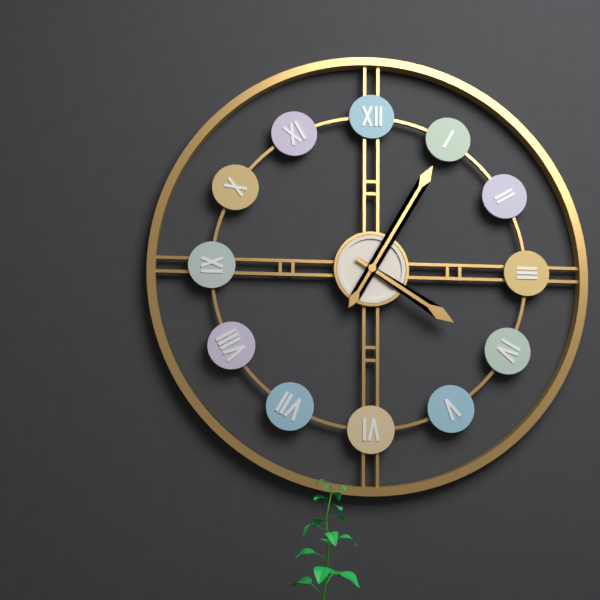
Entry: 4h05
